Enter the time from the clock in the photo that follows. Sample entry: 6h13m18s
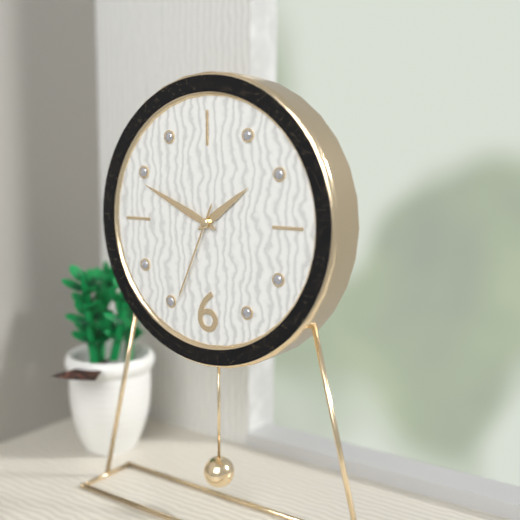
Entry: 1h49m34s
